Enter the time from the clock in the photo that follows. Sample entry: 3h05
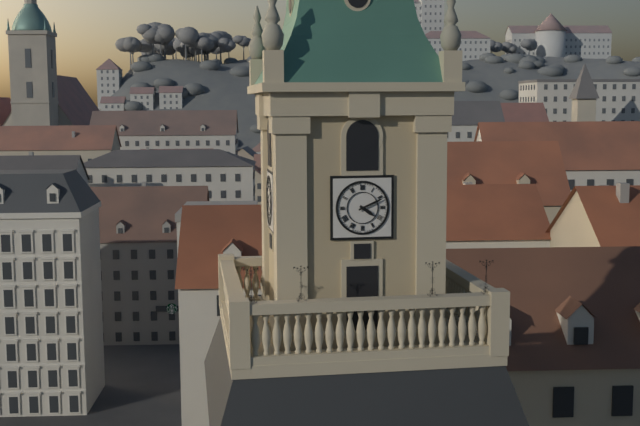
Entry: 4h11
